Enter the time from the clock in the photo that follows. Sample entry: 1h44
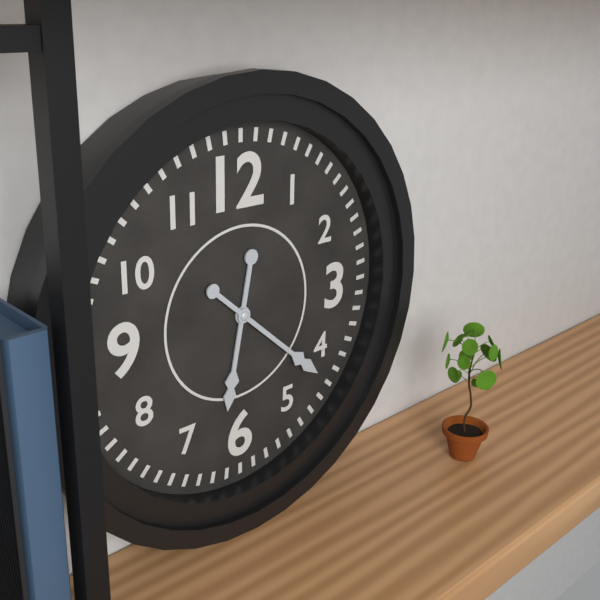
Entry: 6h22
